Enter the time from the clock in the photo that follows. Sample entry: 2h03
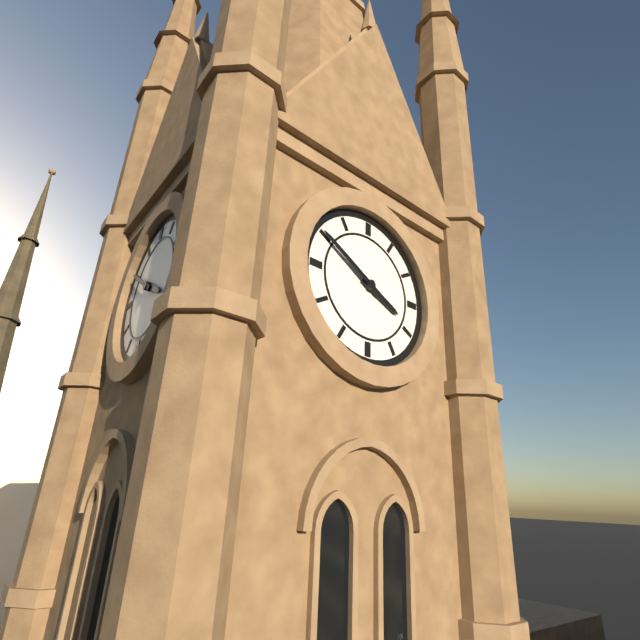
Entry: 3h50
